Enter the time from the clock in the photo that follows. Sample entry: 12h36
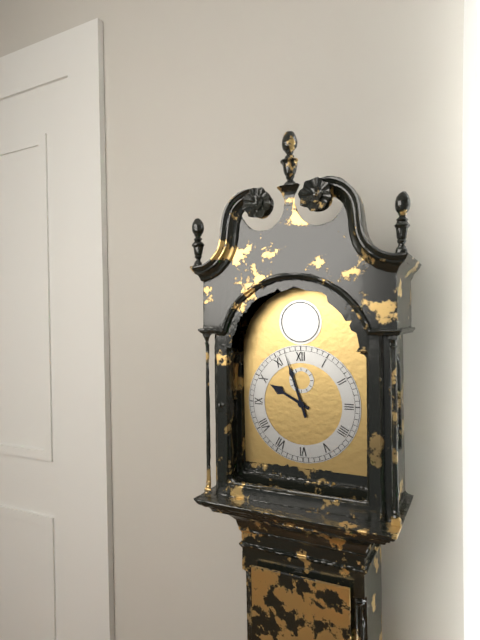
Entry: 9h57
